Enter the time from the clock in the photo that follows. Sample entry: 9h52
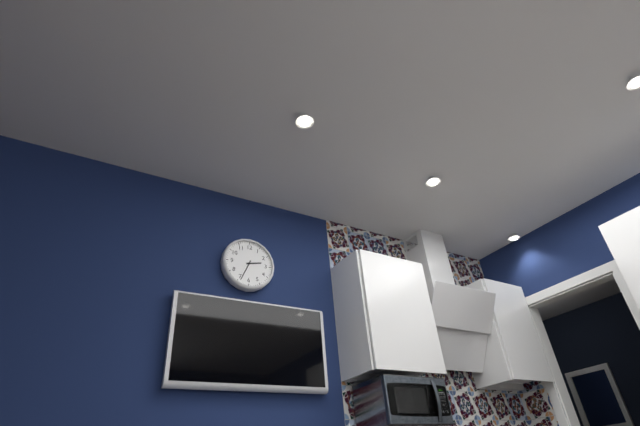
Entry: 2h34
